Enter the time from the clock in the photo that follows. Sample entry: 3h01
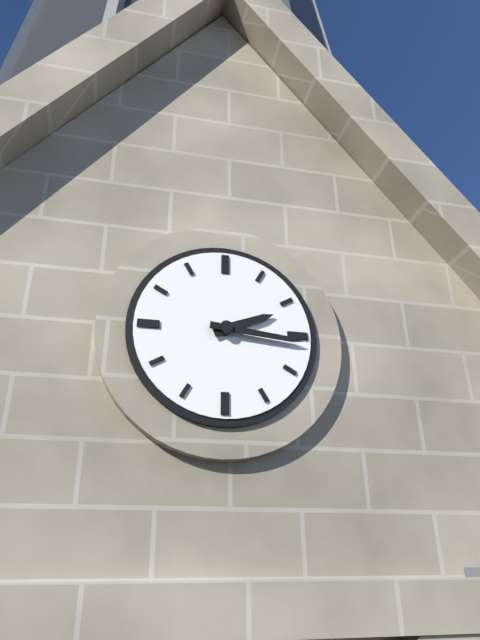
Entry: 2h16
